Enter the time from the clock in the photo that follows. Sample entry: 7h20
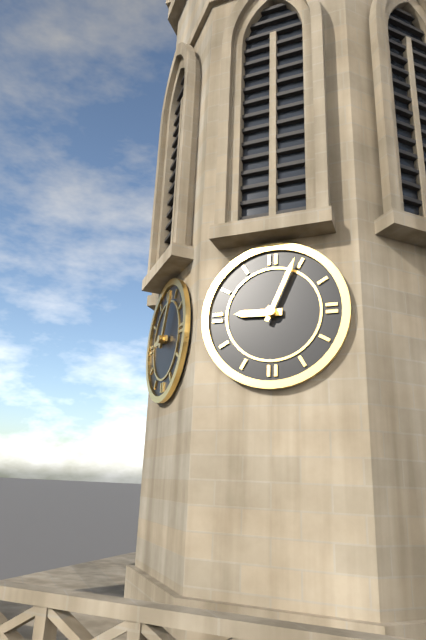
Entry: 9h04
